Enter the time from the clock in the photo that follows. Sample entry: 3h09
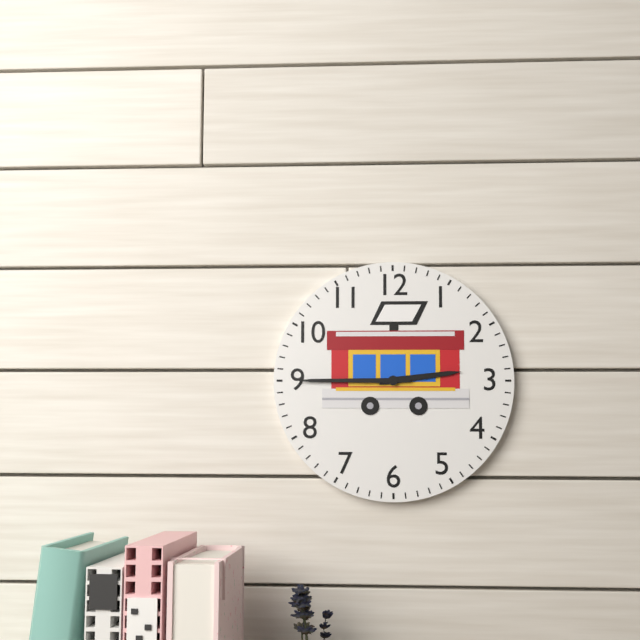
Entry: 2h45
